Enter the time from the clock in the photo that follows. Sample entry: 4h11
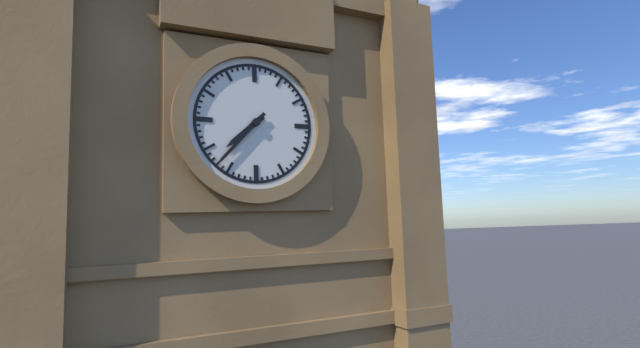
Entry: 7h37
